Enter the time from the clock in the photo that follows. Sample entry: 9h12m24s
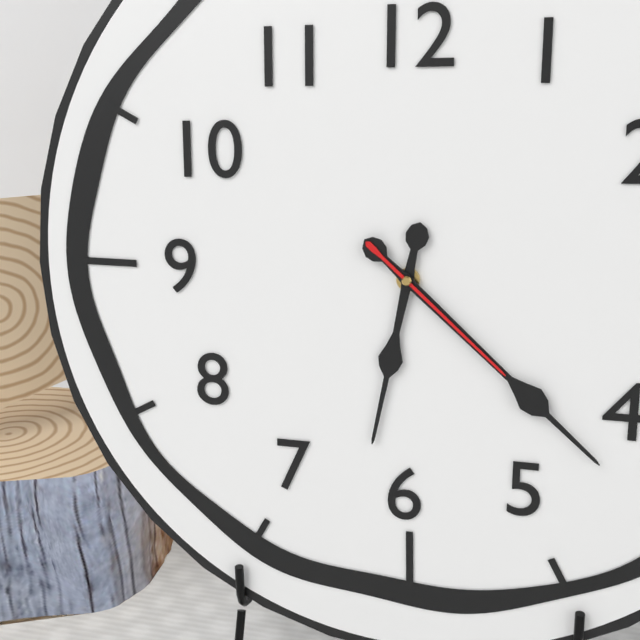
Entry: 6h22m22s
